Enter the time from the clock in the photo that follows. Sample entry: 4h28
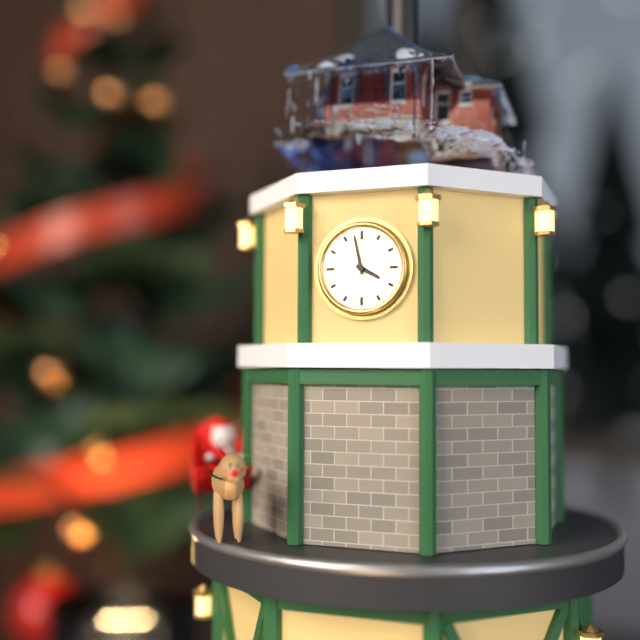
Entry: 3h58
